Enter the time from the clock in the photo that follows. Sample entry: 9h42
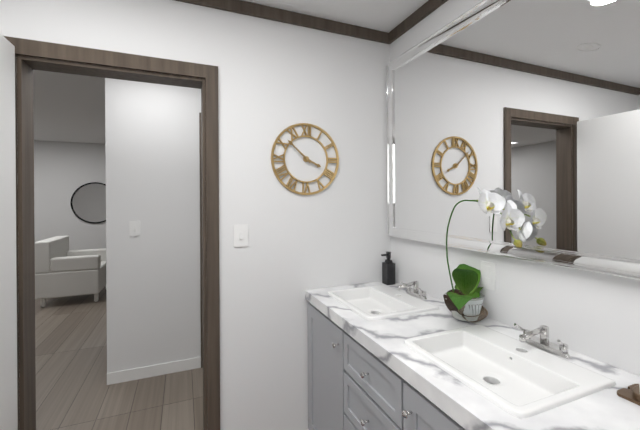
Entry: 3h52
